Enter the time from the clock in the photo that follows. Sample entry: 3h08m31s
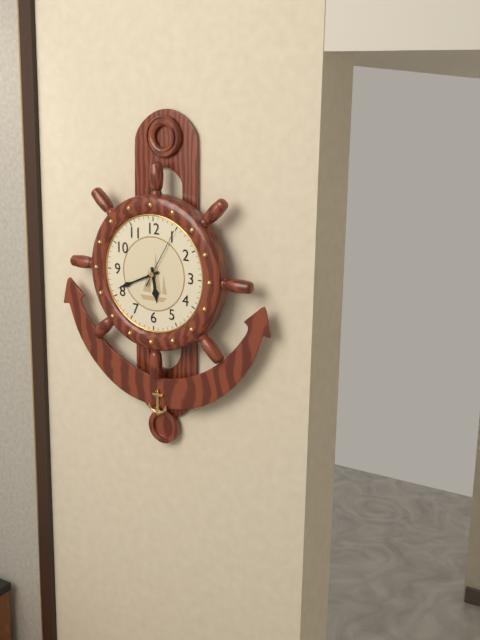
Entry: 5h41m05s
